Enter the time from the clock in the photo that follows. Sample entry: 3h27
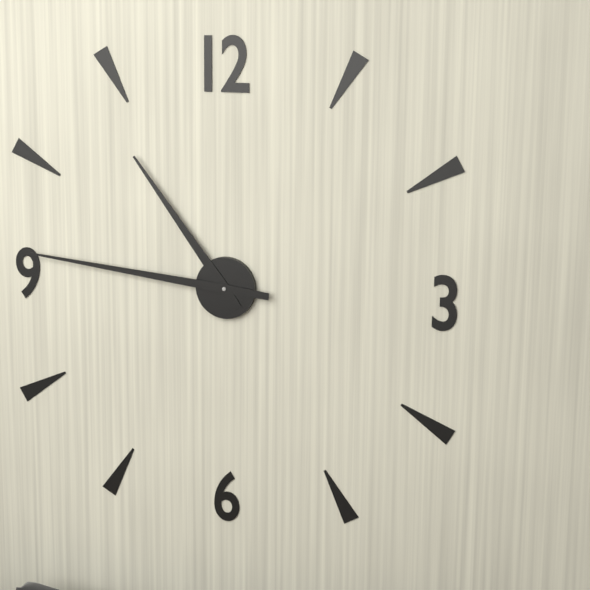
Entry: 10h46
